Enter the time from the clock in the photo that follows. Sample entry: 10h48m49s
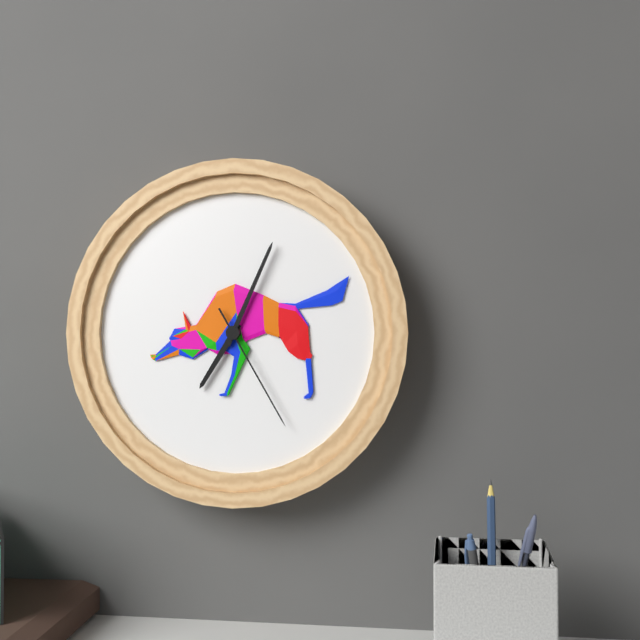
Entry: 7h04m25s
